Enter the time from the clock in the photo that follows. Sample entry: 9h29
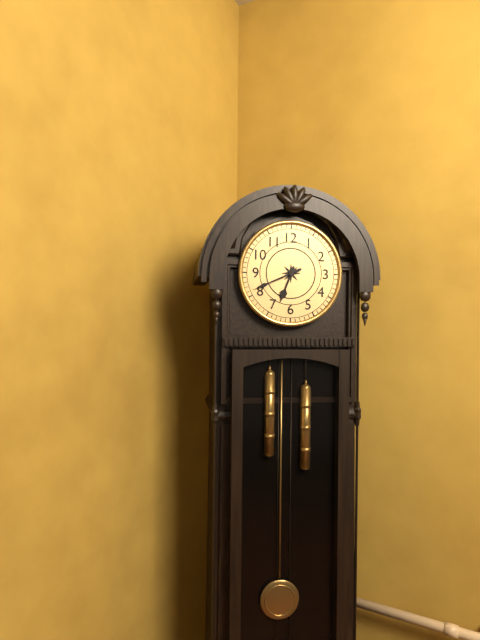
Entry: 6h41
